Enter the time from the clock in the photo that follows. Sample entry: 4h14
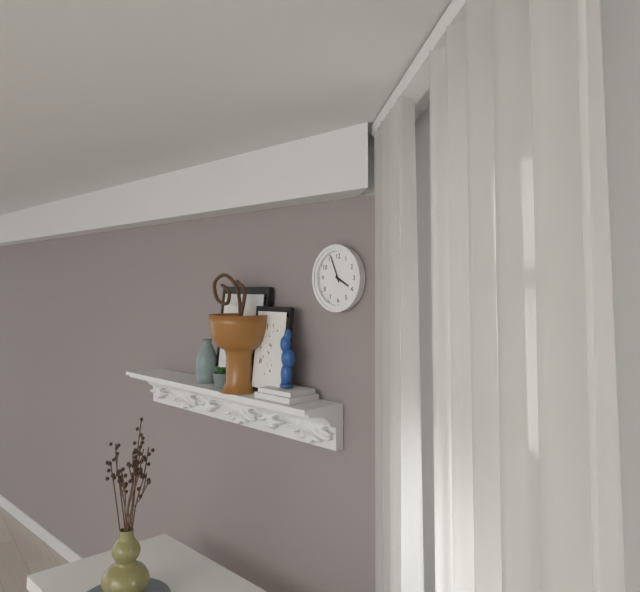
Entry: 3h56
